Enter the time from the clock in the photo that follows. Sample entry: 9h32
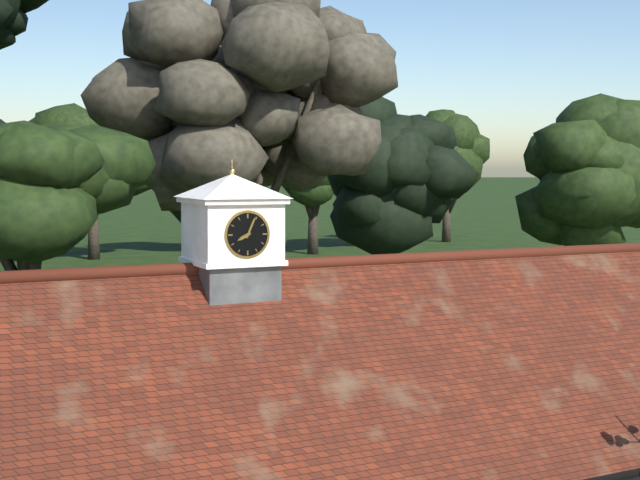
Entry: 8h04
